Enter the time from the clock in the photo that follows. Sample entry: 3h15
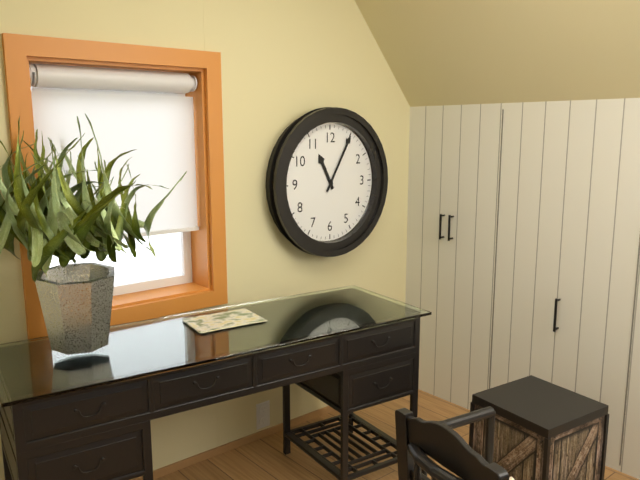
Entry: 11h05
